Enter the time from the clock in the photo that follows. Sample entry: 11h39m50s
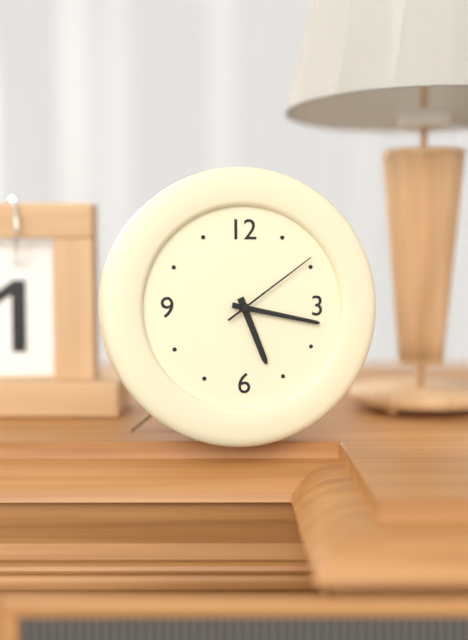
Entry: 5h17m09s
